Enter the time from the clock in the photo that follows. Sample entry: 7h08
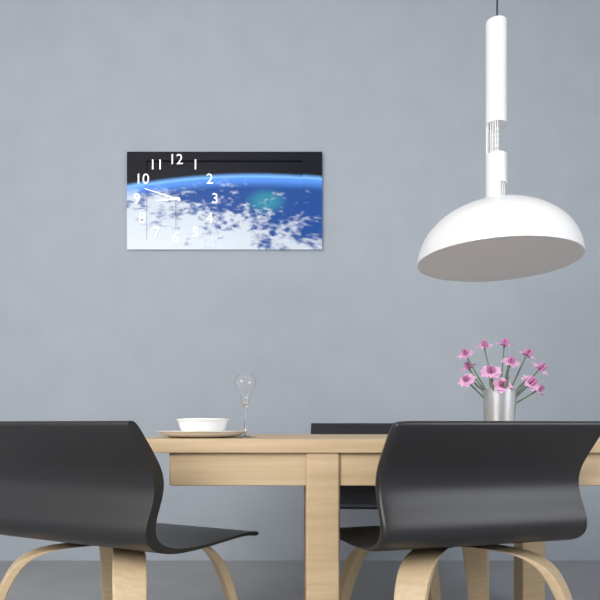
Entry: 8h48
